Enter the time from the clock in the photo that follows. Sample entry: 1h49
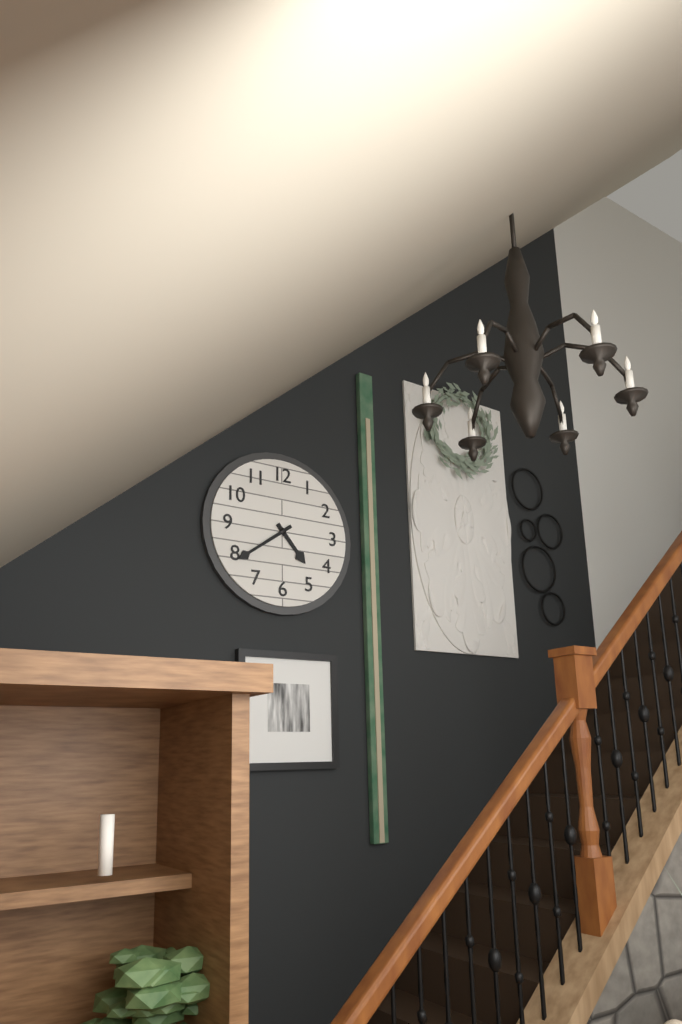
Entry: 4h39
